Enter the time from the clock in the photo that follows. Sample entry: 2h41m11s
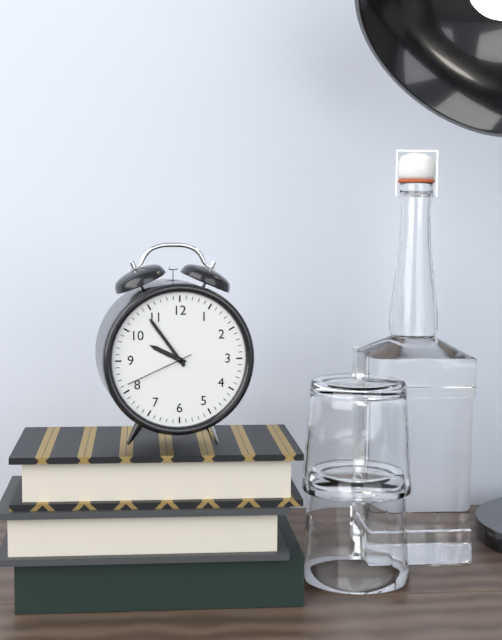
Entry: 9h54m41s
